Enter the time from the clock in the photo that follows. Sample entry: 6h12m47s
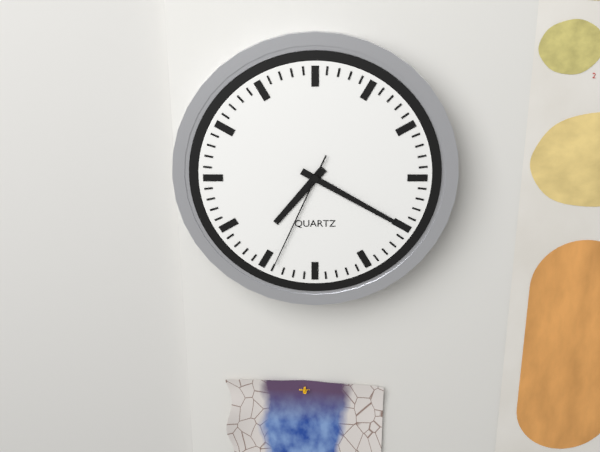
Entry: 7h20m34s
